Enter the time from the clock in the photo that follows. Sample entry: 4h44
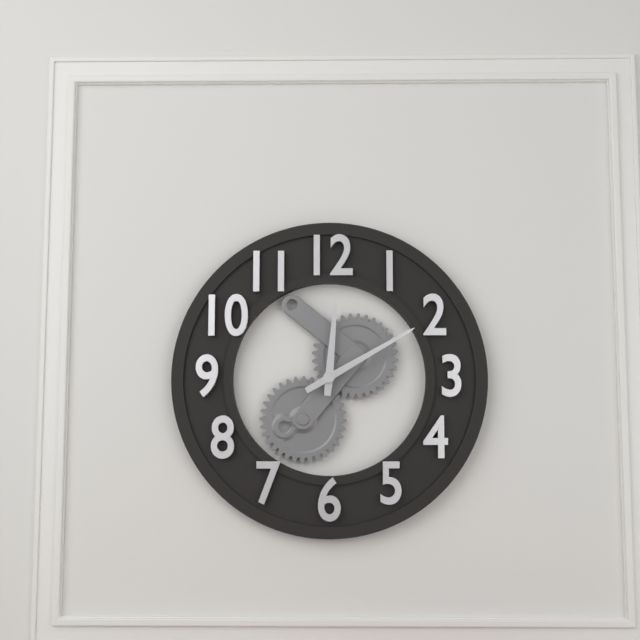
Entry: 12h10
